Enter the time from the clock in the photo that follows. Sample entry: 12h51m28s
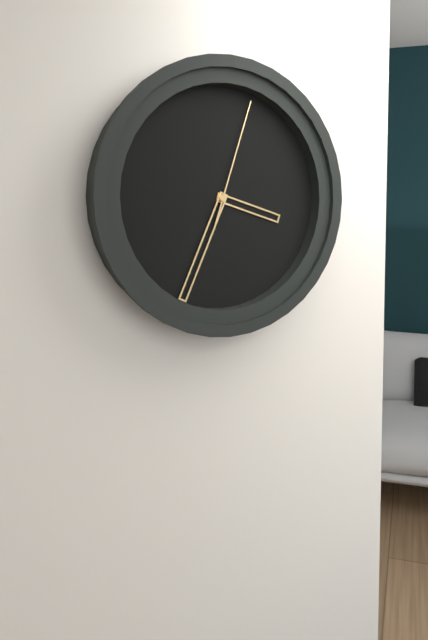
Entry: 3h34m03s
